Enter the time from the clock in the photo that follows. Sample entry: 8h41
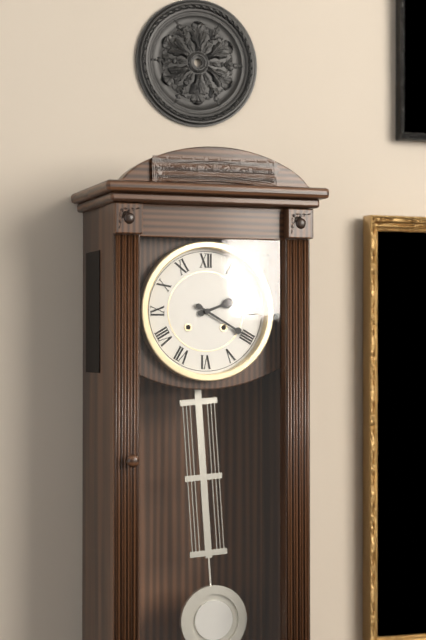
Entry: 2h20
